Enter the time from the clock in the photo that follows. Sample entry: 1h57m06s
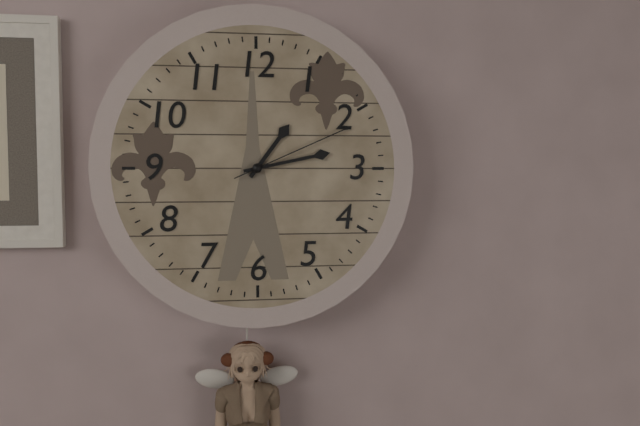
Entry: 1h13m11s
